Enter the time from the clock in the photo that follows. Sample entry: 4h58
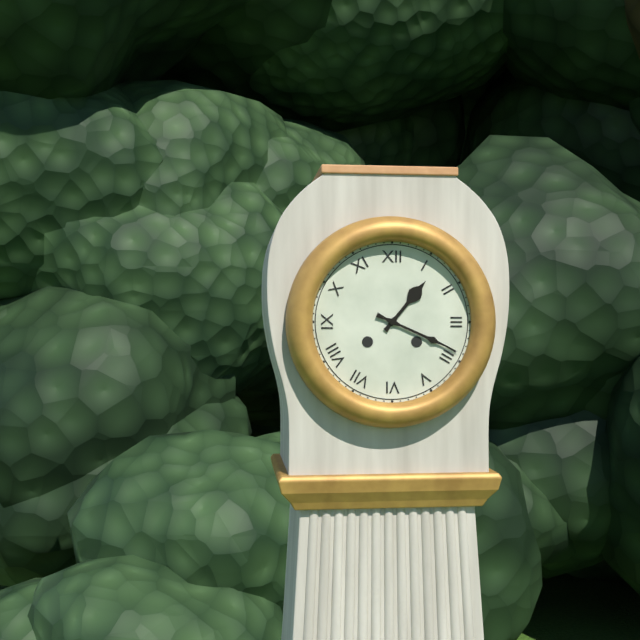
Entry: 1h19
